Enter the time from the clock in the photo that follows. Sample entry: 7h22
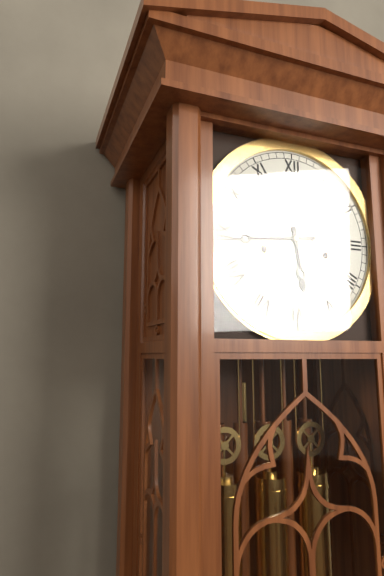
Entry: 5h44
